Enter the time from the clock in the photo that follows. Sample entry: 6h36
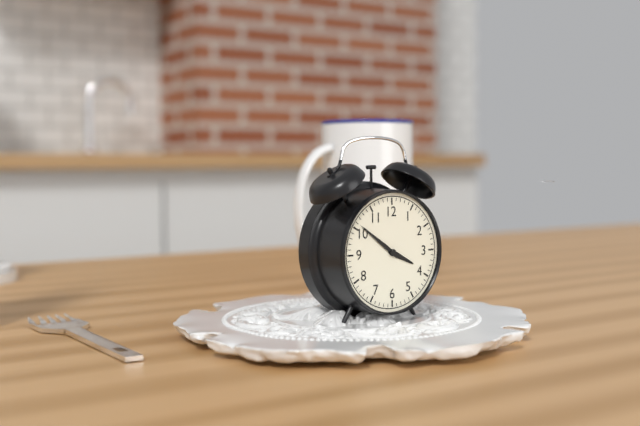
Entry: 3h51
